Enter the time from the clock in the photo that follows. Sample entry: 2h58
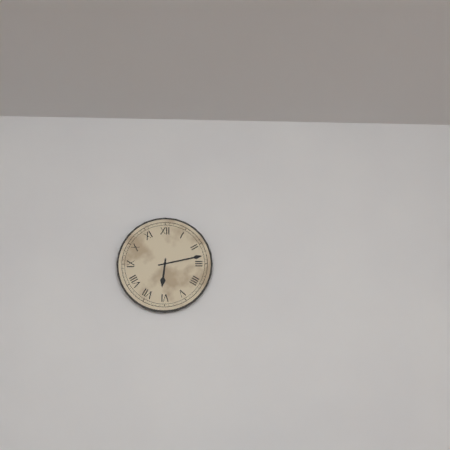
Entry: 6h13
